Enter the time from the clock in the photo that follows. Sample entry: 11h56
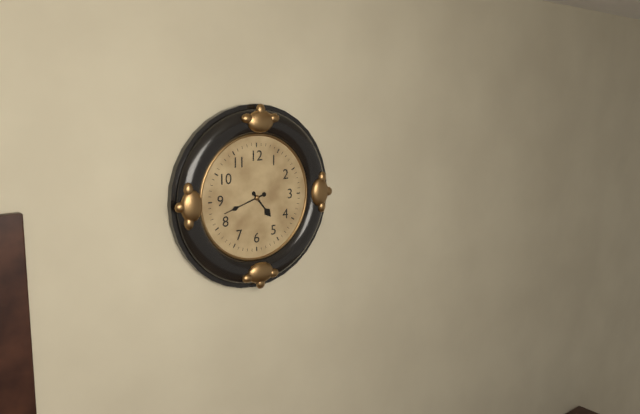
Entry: 4h42
